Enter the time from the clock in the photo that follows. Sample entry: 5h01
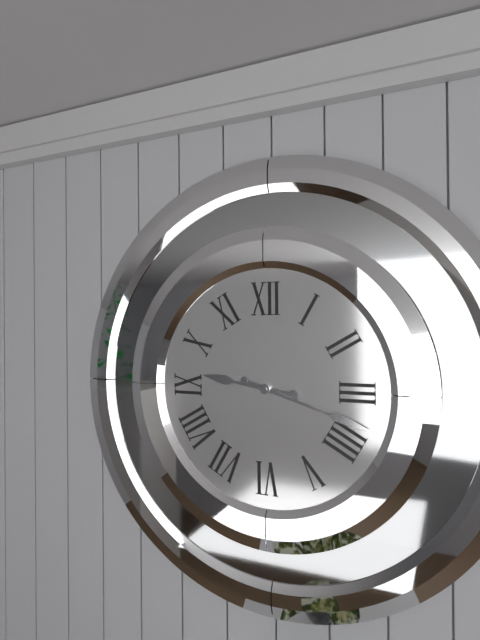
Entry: 9h18
